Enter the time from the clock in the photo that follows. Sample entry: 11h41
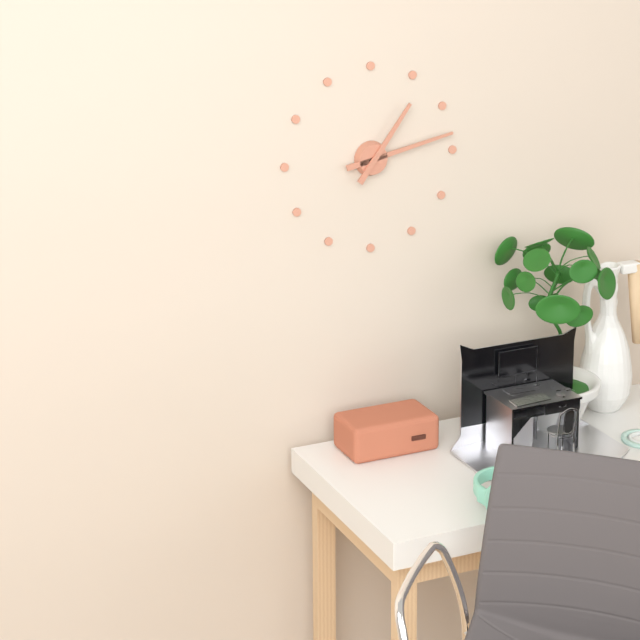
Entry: 1h13
